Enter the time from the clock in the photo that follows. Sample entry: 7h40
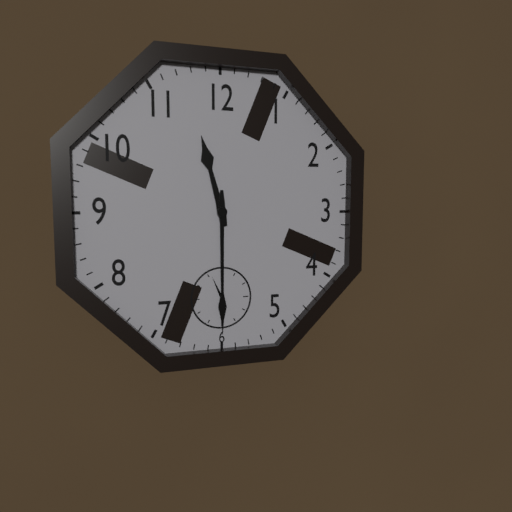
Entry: 11h30
